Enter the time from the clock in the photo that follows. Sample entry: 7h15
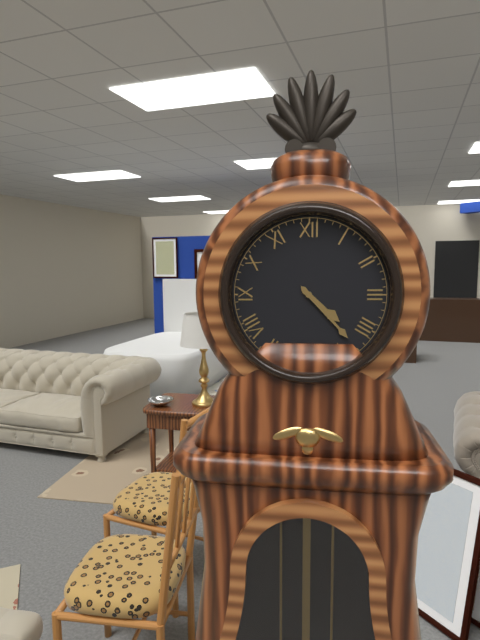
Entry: 4h23
